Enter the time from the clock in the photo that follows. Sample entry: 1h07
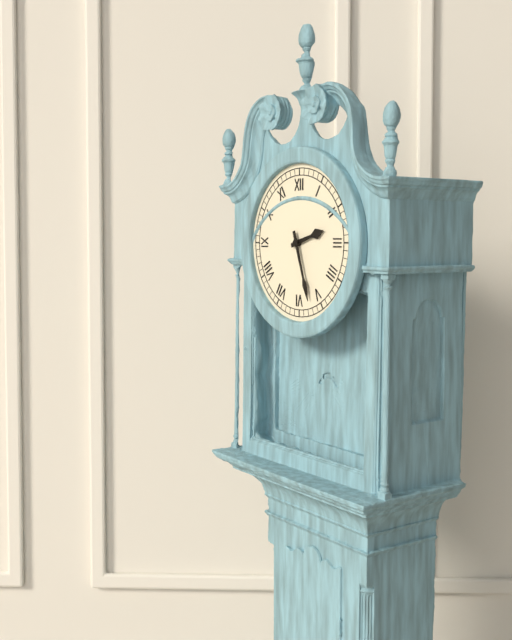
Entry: 2h27
